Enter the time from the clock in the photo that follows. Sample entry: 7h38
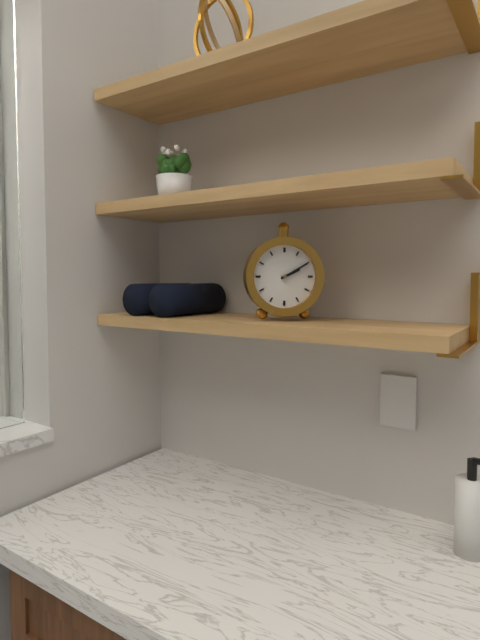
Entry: 2h10
